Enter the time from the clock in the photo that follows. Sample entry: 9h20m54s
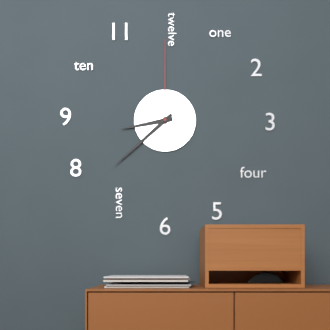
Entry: 8h38m00s
